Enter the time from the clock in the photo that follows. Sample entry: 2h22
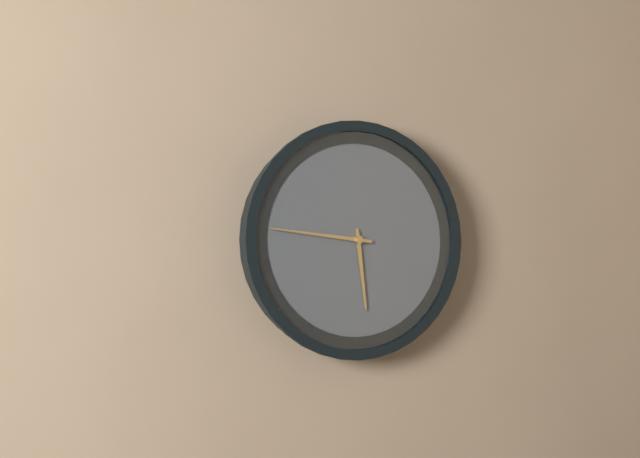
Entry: 5h46
